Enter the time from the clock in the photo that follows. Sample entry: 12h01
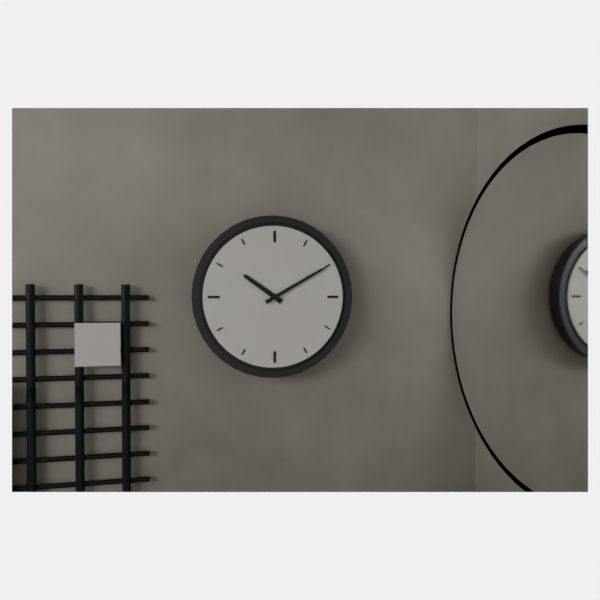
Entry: 10h10
